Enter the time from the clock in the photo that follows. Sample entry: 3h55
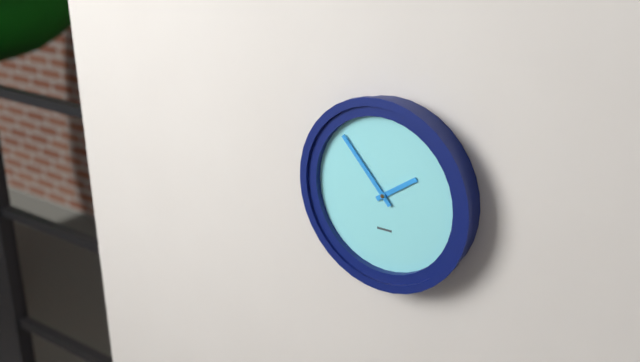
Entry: 1h53
